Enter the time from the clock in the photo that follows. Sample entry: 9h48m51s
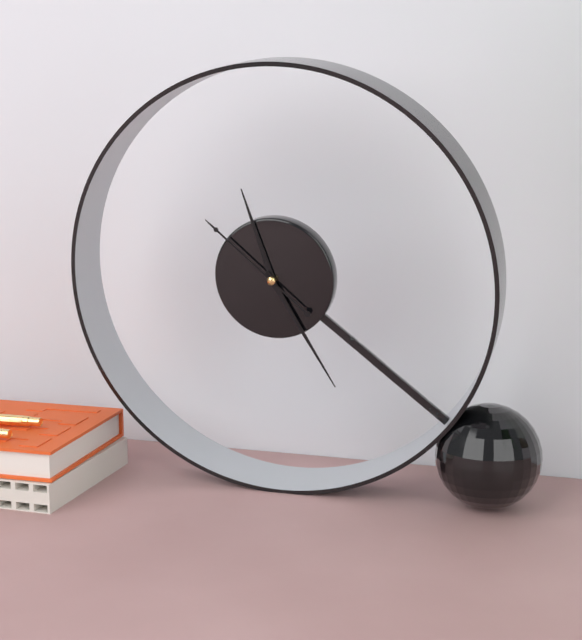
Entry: 11h25m52s
